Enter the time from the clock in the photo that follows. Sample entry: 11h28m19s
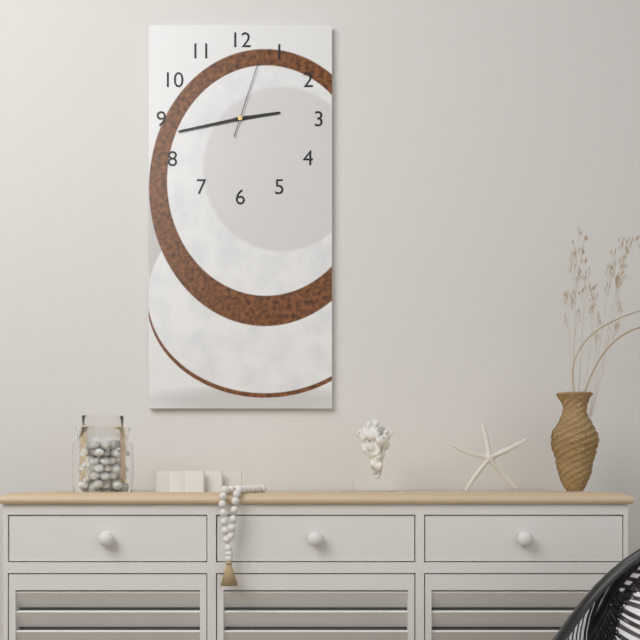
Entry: 2h43m03s
